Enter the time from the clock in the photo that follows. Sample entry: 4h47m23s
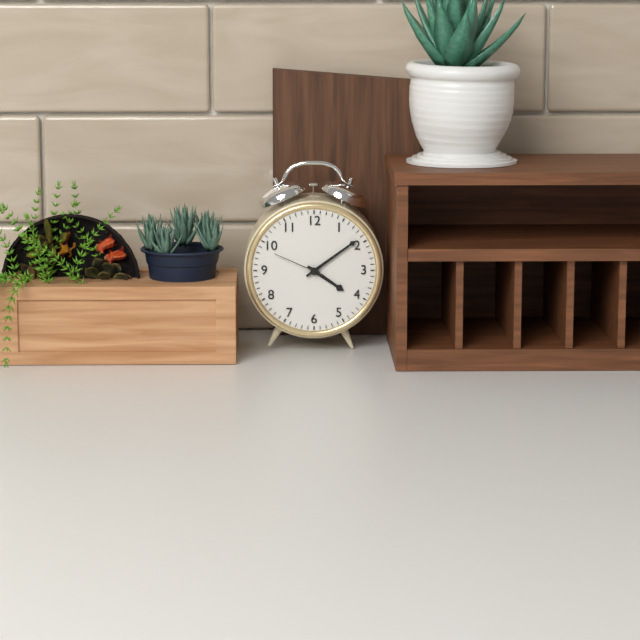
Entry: 4h09m49s
